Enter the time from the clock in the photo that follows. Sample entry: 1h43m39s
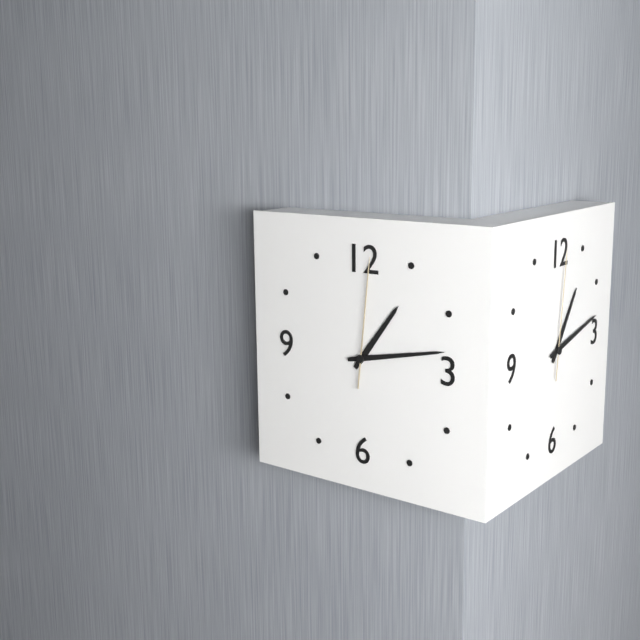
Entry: 1h13m01s
